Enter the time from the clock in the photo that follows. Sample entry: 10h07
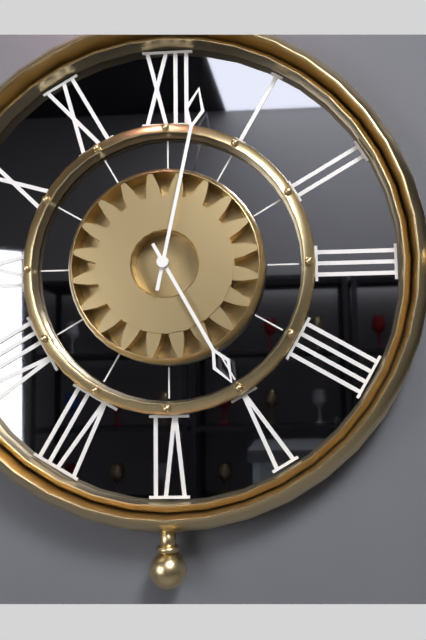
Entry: 5h02
